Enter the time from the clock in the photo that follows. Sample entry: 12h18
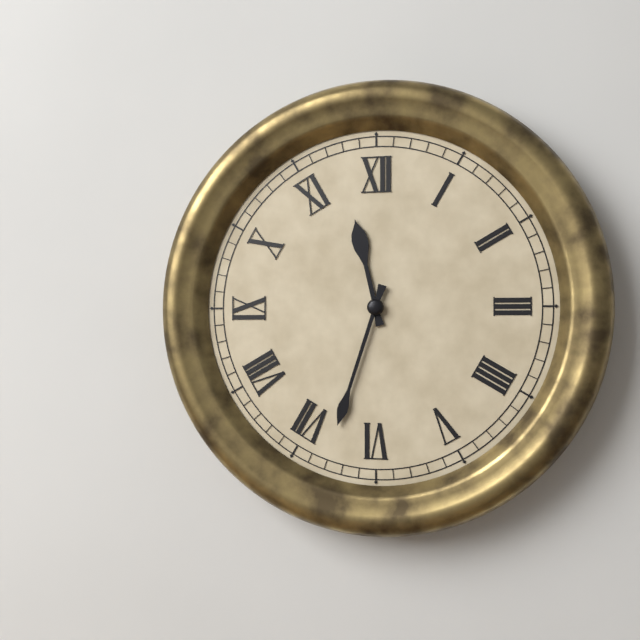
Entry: 11h33
